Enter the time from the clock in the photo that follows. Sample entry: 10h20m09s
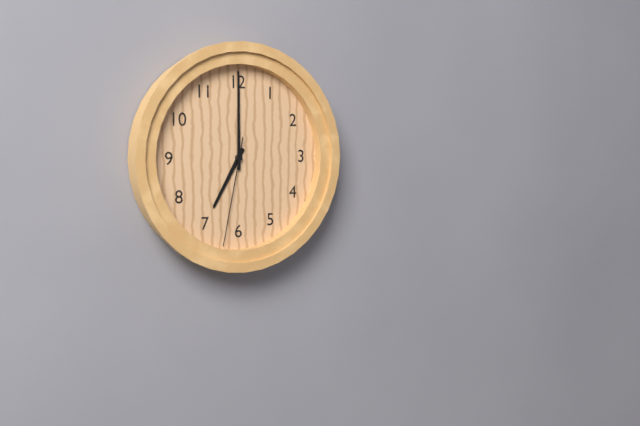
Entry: 7h00m32s
